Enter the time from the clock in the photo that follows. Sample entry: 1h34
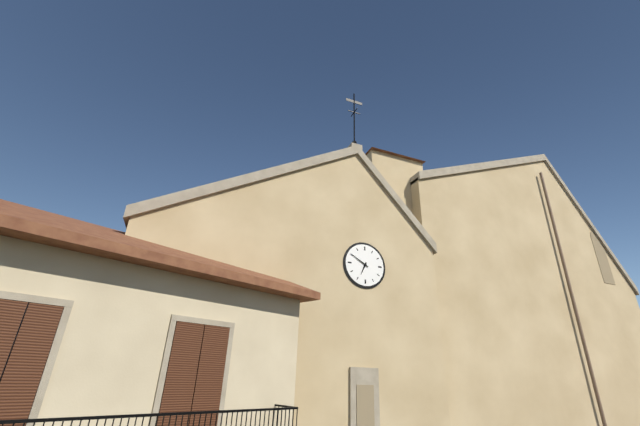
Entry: 6h50
